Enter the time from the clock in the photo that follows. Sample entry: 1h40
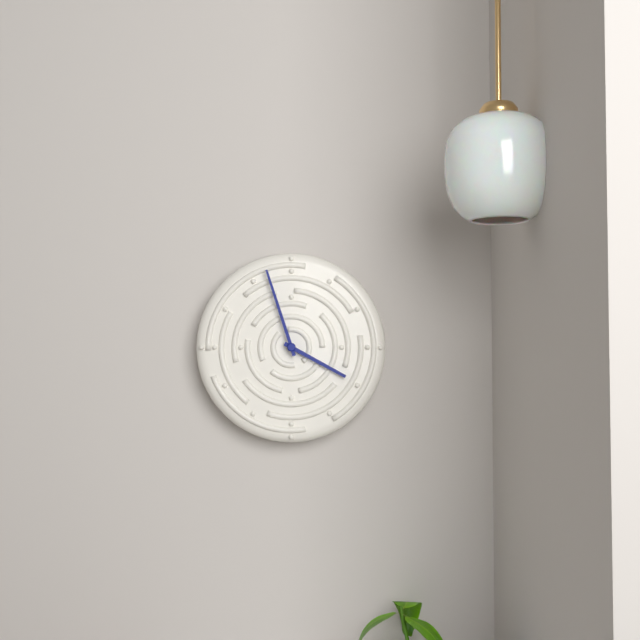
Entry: 3h57
